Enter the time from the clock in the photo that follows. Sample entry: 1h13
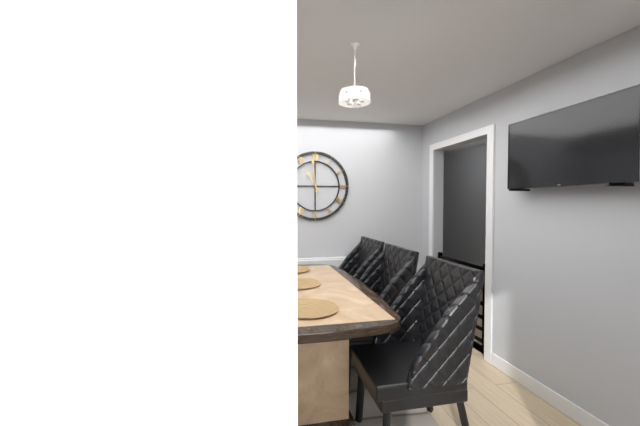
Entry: 10h59
